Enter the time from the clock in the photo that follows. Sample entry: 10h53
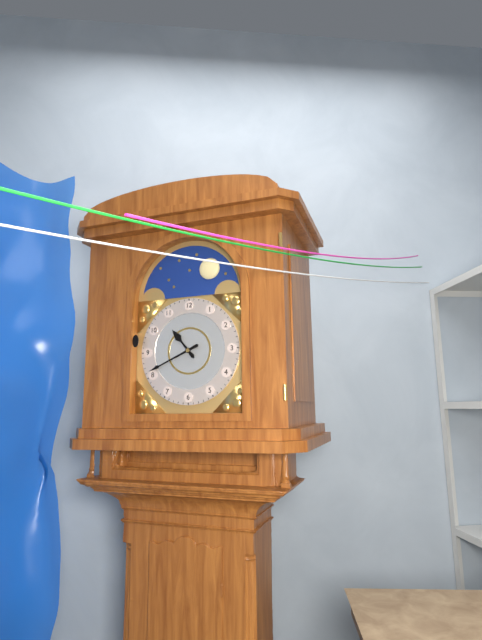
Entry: 10h41
